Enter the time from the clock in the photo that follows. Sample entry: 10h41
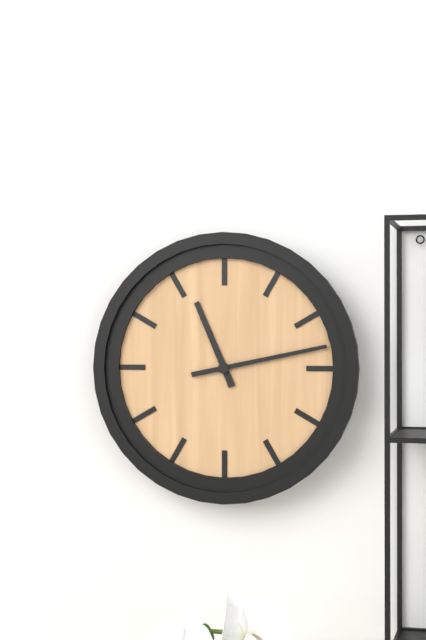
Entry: 11h13
